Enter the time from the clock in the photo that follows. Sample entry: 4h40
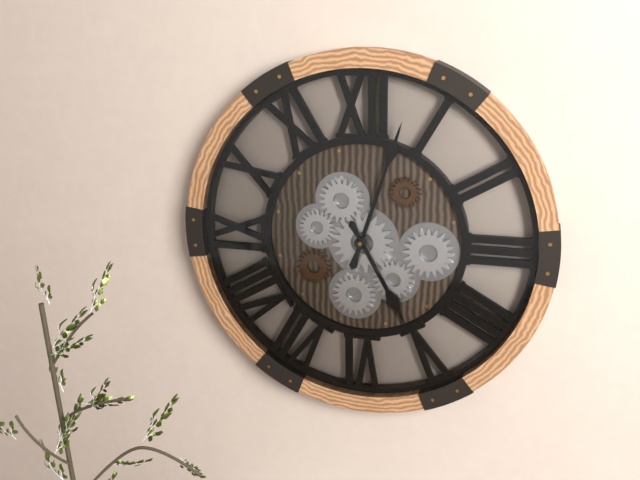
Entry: 5h03
